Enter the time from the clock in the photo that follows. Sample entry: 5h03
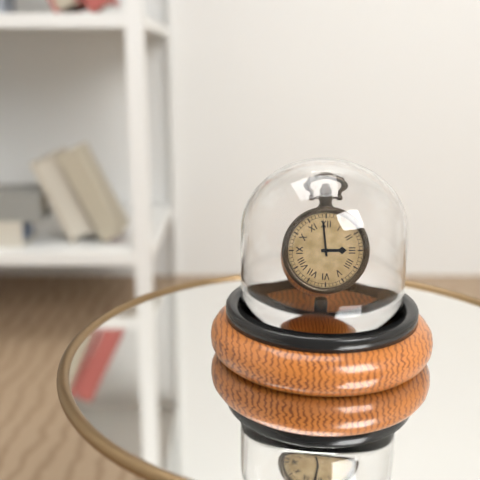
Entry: 2h59
